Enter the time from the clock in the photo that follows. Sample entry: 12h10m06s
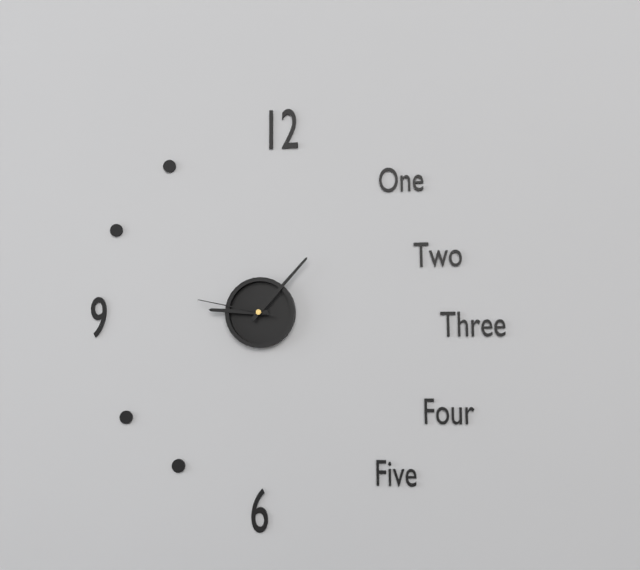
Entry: 9h07m47s
